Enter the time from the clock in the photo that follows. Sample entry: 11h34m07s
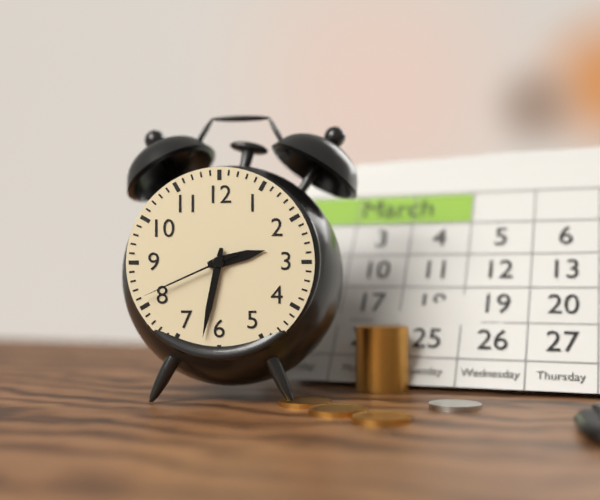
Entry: 2h32m41s
